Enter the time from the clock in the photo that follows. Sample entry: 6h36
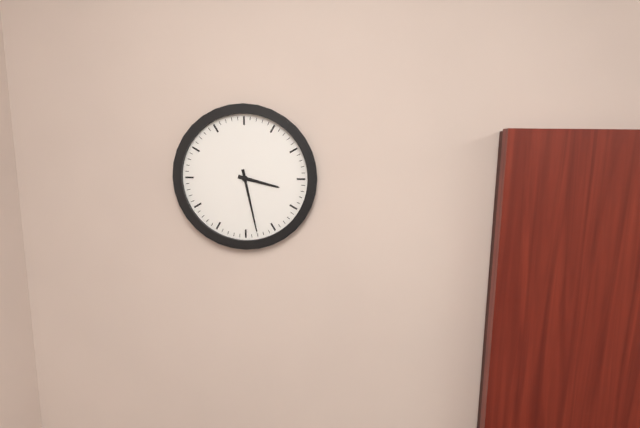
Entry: 3h28
